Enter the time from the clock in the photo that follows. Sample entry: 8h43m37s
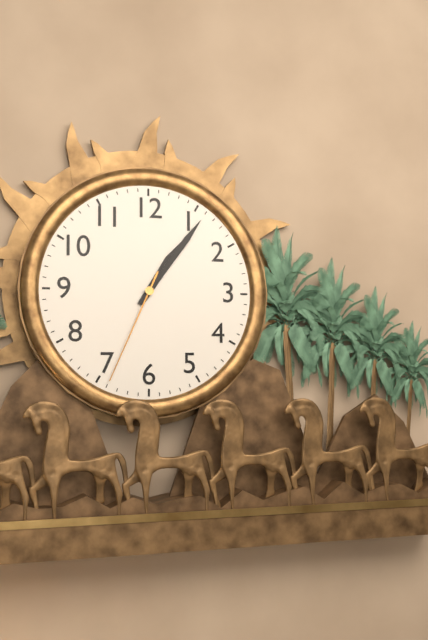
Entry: 1h06m34s
